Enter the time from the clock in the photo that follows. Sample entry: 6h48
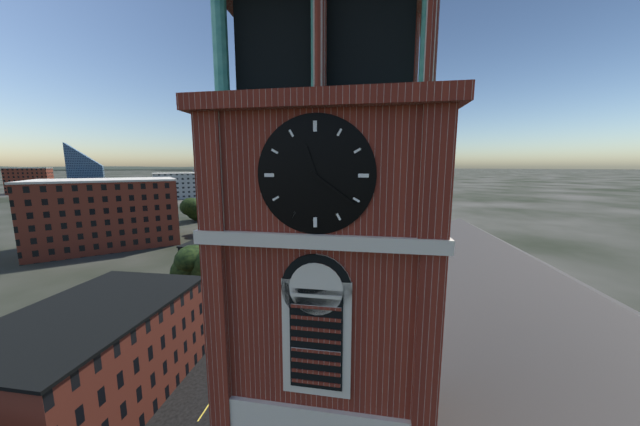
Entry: 11h21
